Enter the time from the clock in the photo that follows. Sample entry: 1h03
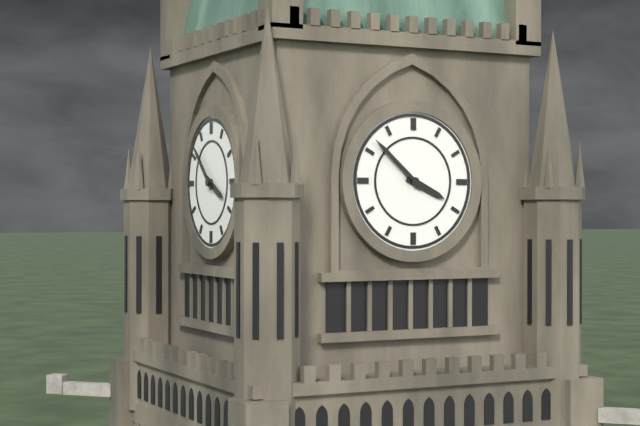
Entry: 3h52
